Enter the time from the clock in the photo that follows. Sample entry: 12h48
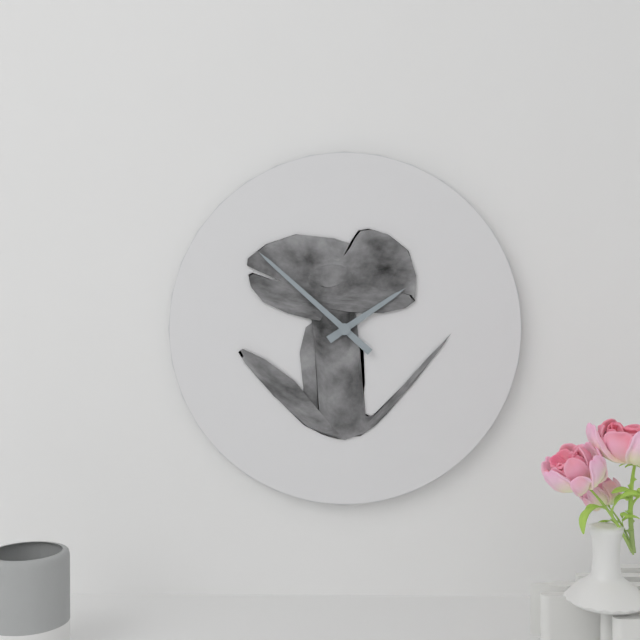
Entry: 1h52
